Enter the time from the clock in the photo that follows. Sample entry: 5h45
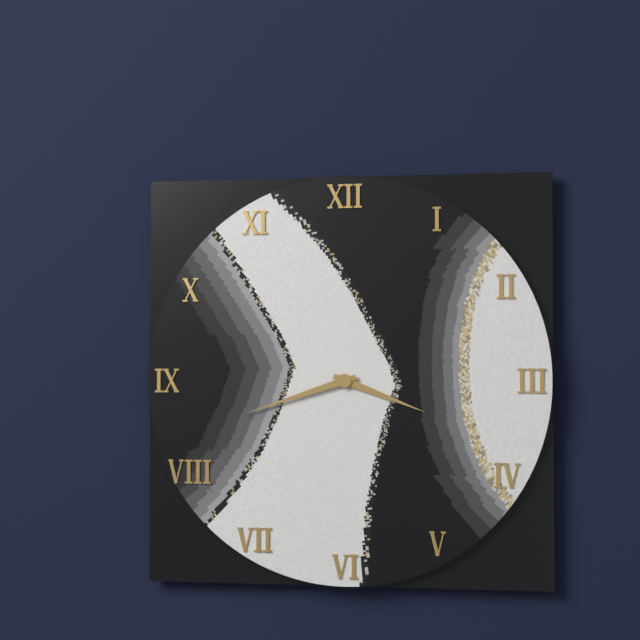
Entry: 3h42
